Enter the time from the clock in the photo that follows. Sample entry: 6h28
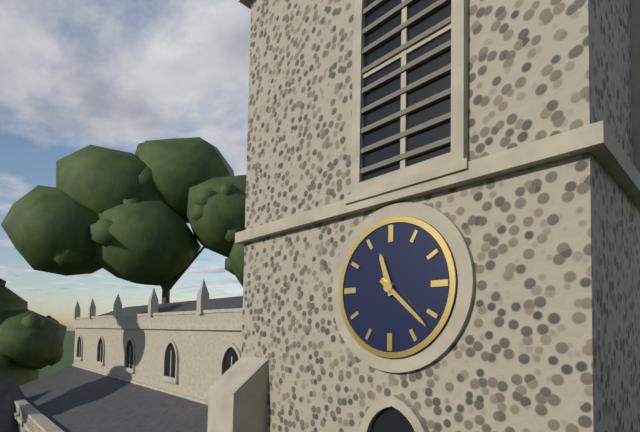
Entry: 11h22
